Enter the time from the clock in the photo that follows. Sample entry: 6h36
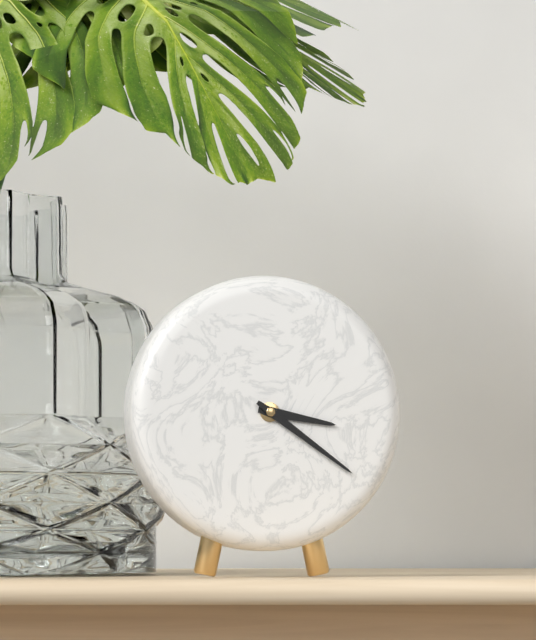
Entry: 3h21
